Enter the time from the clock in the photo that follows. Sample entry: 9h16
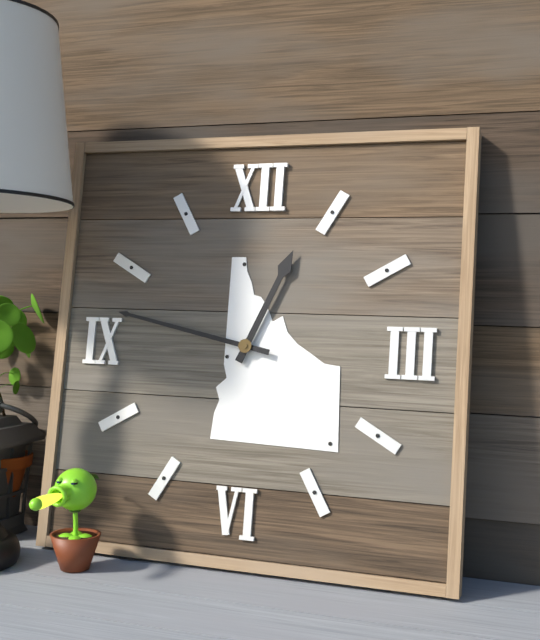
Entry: 12h47
